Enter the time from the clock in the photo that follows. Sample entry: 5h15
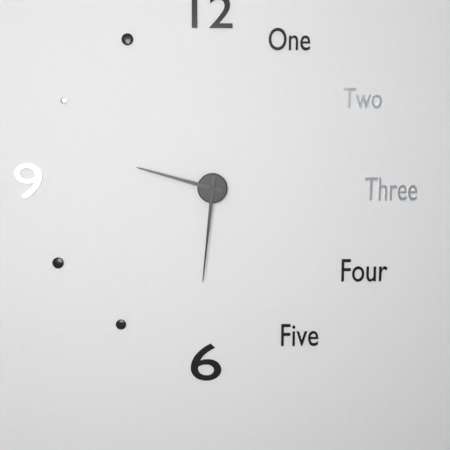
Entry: 9h31
